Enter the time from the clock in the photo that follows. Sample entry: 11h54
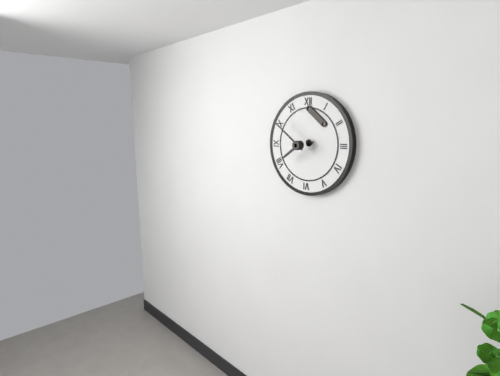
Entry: 7h51
